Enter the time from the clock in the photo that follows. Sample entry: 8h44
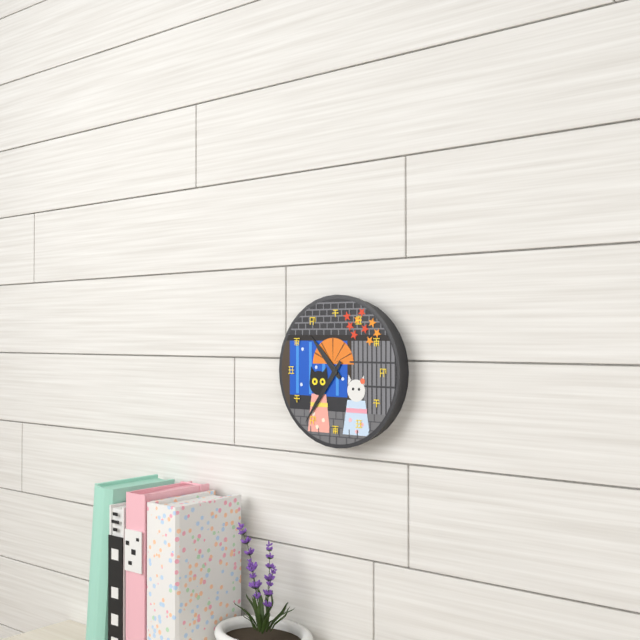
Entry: 10h36
